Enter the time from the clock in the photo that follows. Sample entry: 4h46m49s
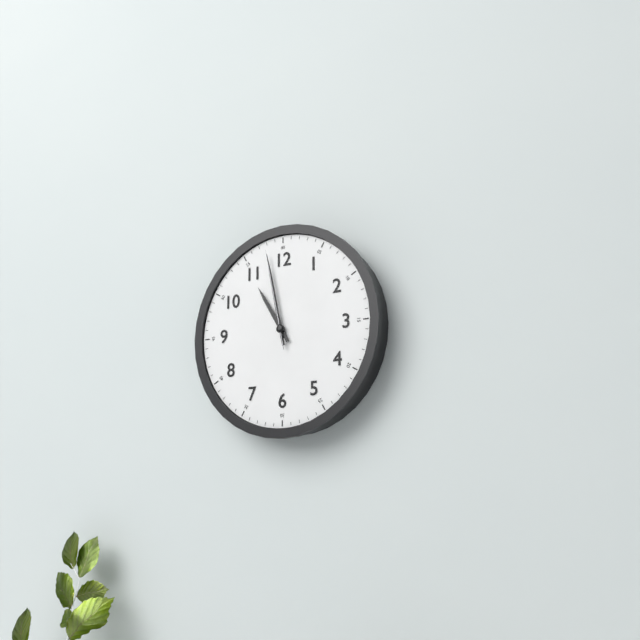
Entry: 10h58m58s
